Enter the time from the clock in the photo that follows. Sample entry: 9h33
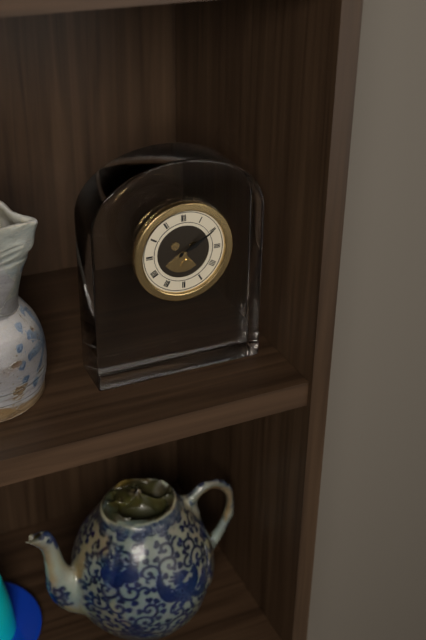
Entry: 2h10
